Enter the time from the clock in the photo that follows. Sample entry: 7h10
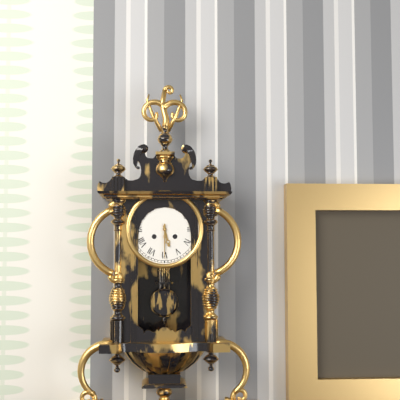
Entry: 5h30
